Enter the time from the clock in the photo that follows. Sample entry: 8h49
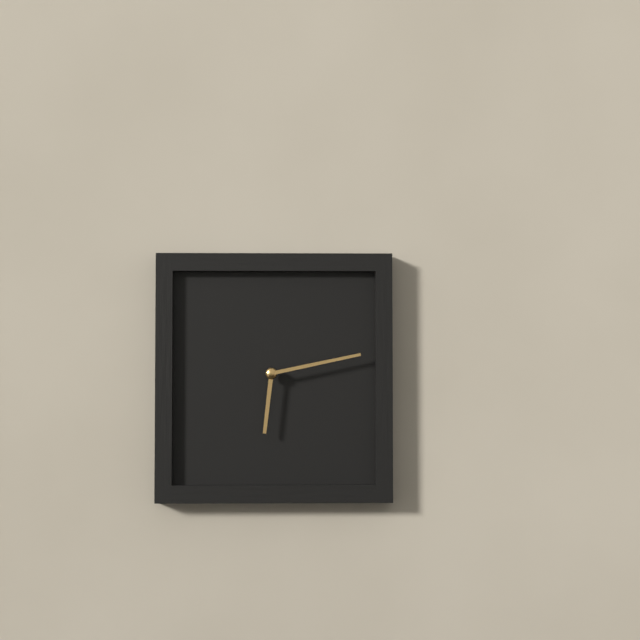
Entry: 6h13
